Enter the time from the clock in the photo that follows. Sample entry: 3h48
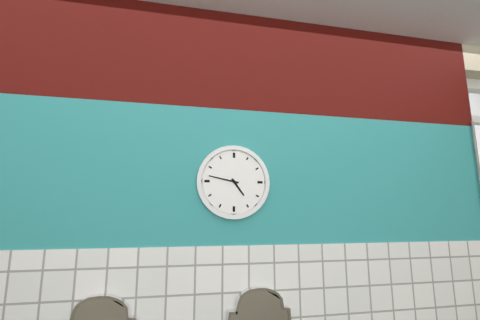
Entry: 4h47
